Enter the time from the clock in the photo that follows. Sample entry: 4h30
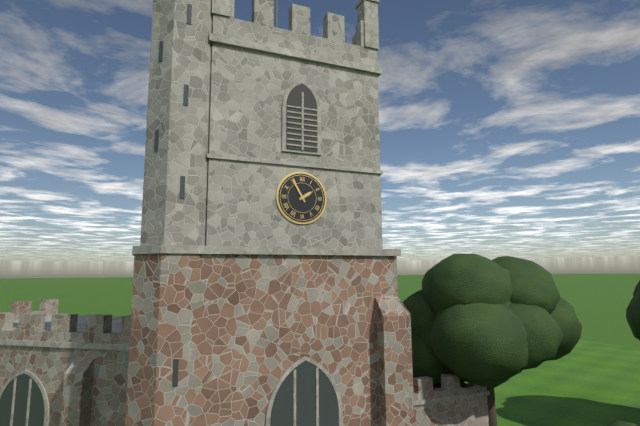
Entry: 1h55
